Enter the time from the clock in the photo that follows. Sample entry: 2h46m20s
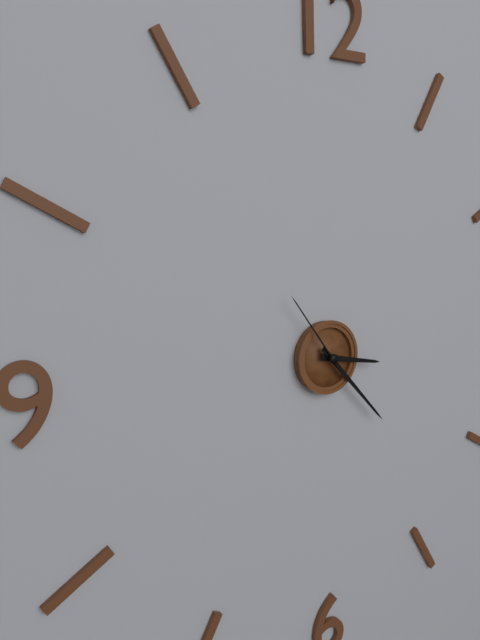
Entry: 3h23m54s
